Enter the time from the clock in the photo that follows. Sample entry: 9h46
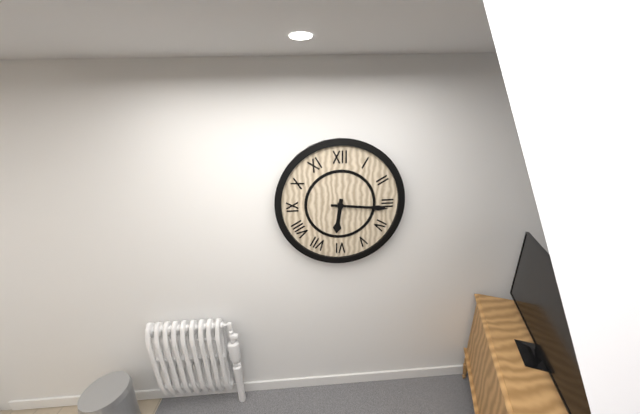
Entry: 6h16
